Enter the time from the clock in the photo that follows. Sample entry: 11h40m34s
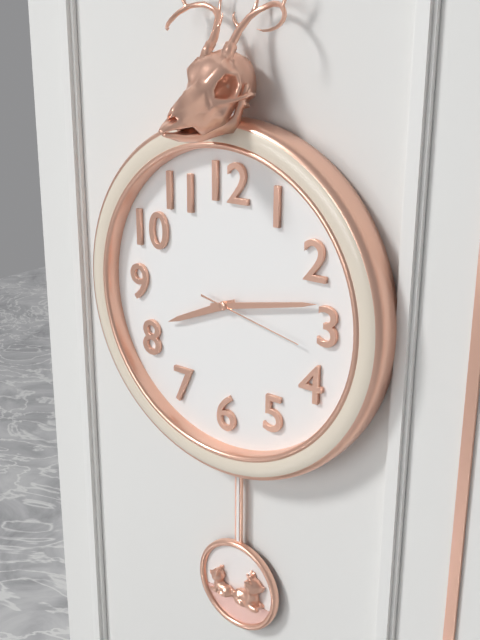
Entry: 8h13m17s
